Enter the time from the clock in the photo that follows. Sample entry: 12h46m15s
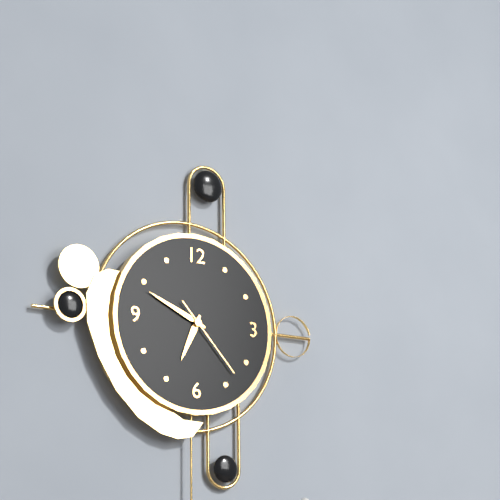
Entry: 6h49m23s
